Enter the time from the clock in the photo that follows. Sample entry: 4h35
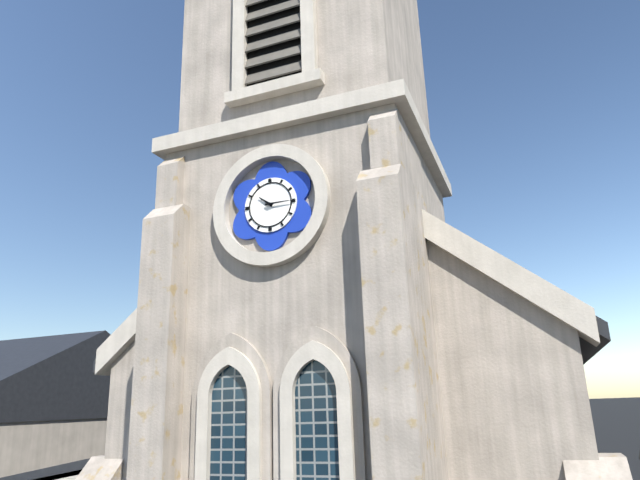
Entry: 10h15
